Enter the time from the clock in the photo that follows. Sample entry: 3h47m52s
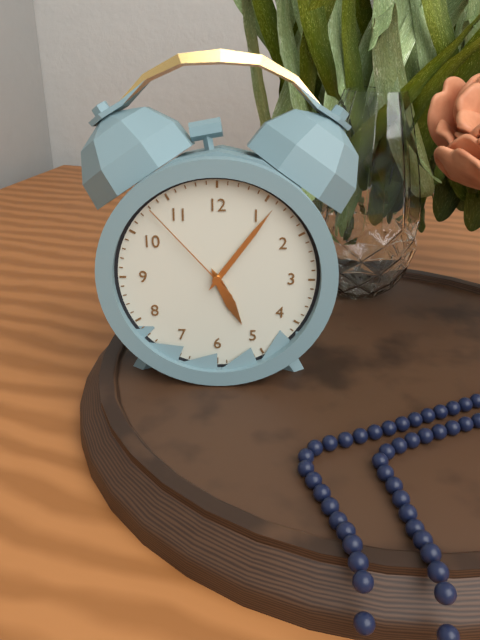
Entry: 5h06m53s
